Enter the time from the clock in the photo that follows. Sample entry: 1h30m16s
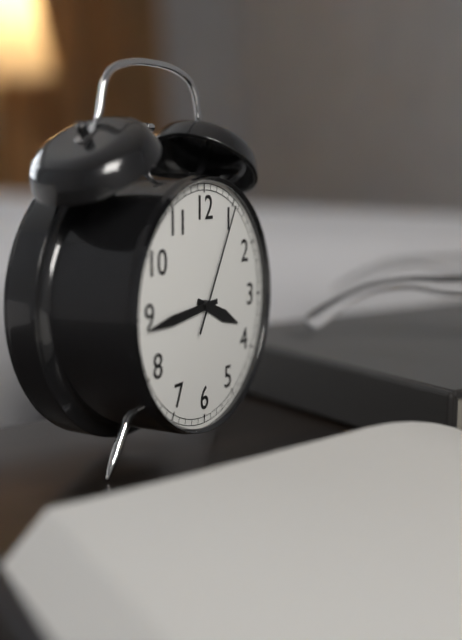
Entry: 3h44m05s
